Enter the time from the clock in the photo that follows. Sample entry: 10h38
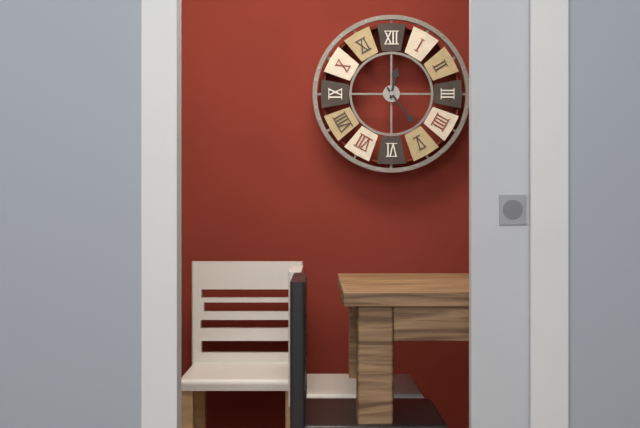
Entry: 12h24
